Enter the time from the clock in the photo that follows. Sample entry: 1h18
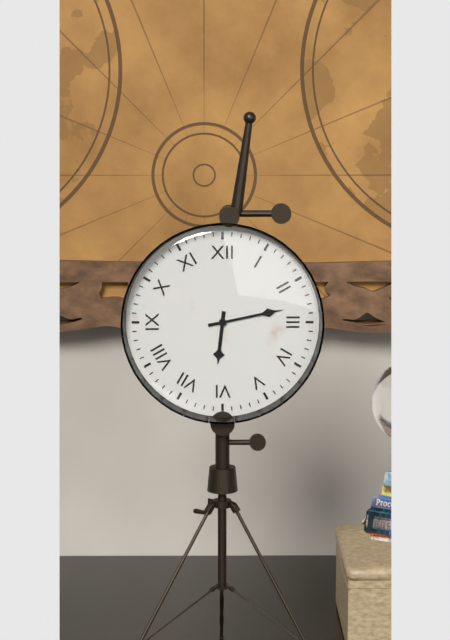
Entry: 6h13
